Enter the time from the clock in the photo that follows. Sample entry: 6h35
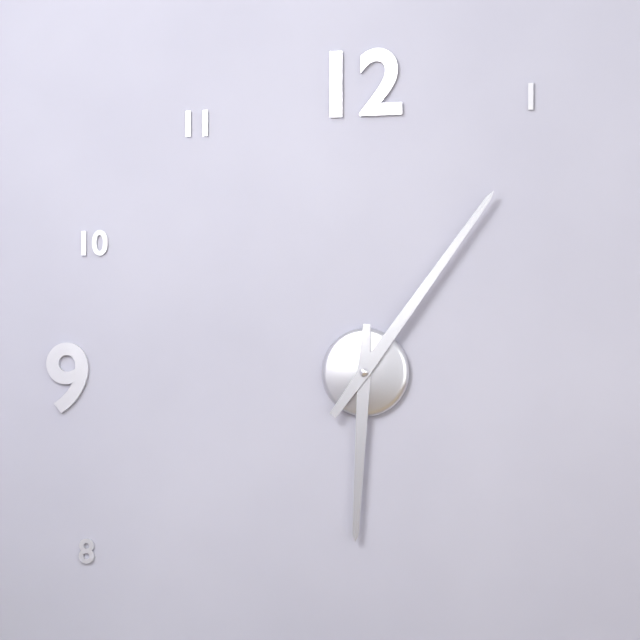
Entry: 6h06
